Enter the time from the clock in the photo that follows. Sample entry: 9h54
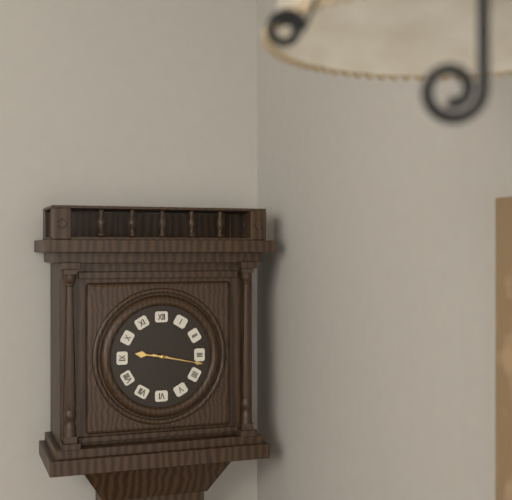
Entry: 9h17
